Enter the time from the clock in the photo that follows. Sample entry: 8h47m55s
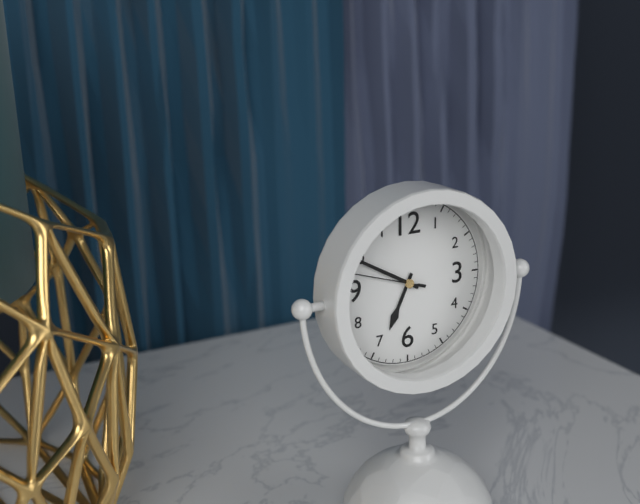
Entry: 6h50m48s
